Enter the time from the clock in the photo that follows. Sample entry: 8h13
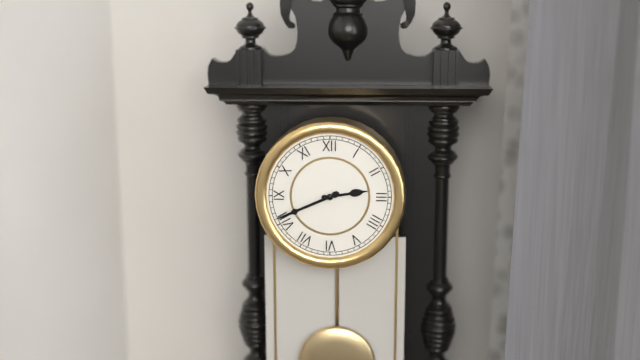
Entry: 2h41
